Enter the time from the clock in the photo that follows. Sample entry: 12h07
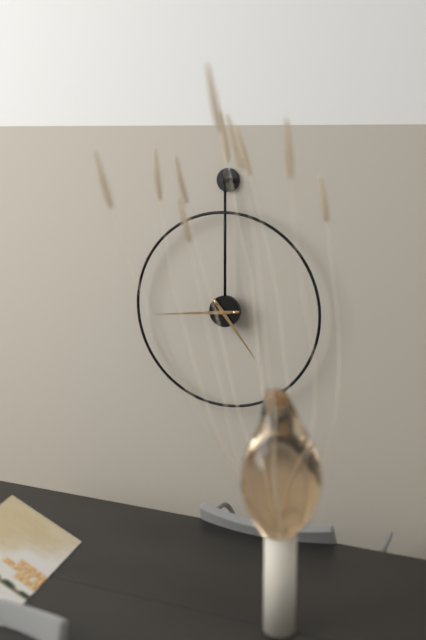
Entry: 4h44
